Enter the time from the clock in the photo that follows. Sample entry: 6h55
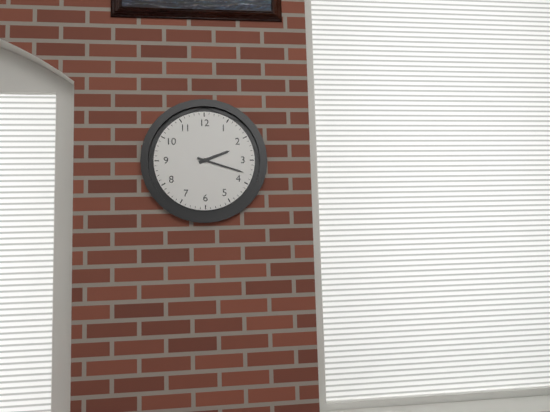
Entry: 2h18
